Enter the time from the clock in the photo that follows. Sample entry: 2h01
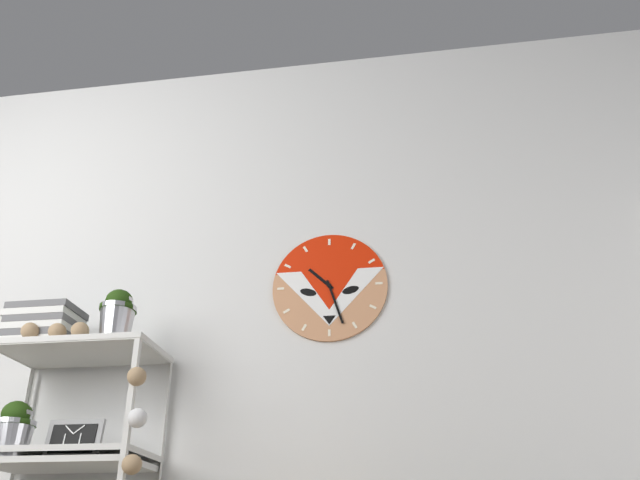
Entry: 10h27
